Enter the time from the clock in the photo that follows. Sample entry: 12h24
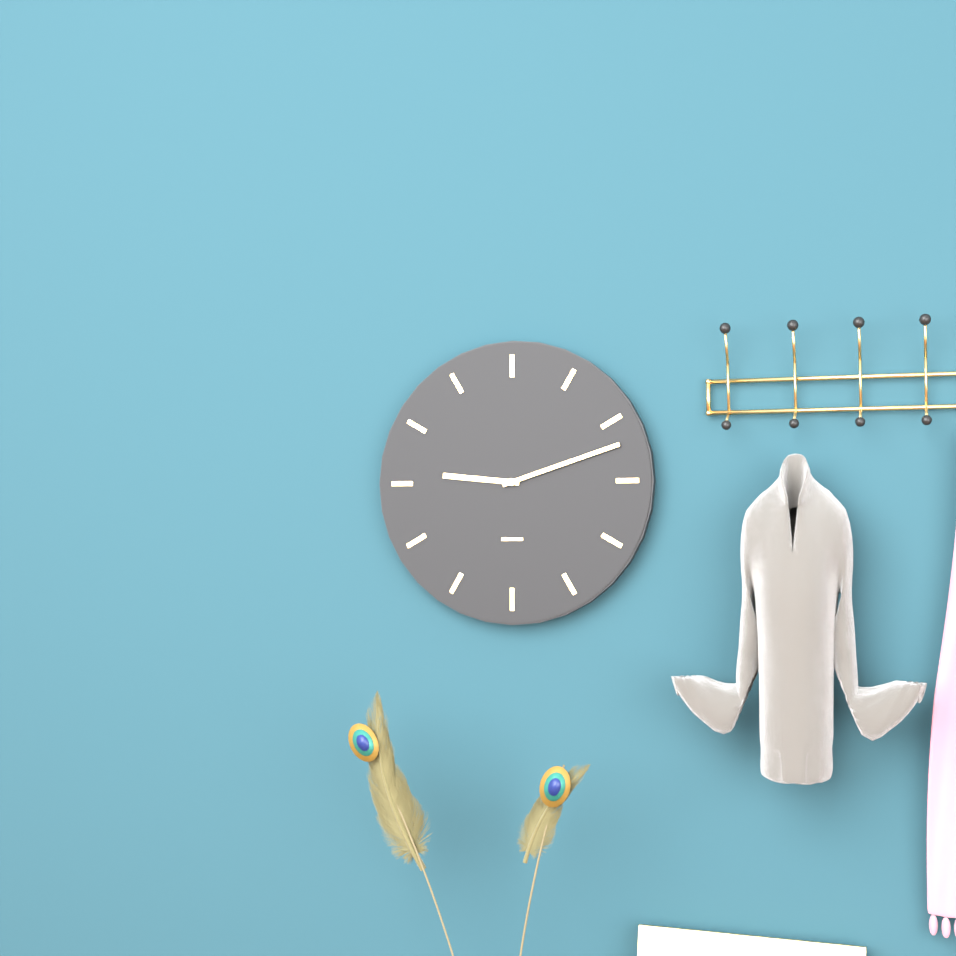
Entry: 9h12
